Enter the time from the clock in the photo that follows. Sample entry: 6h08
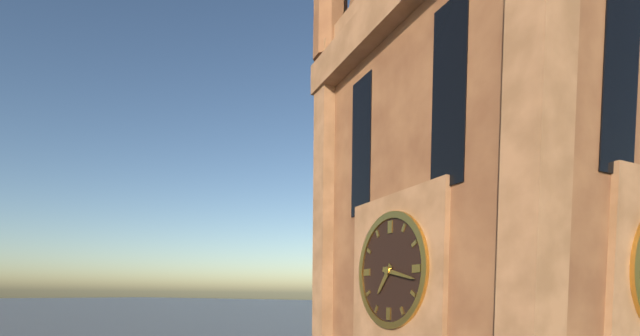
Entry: 7h17
